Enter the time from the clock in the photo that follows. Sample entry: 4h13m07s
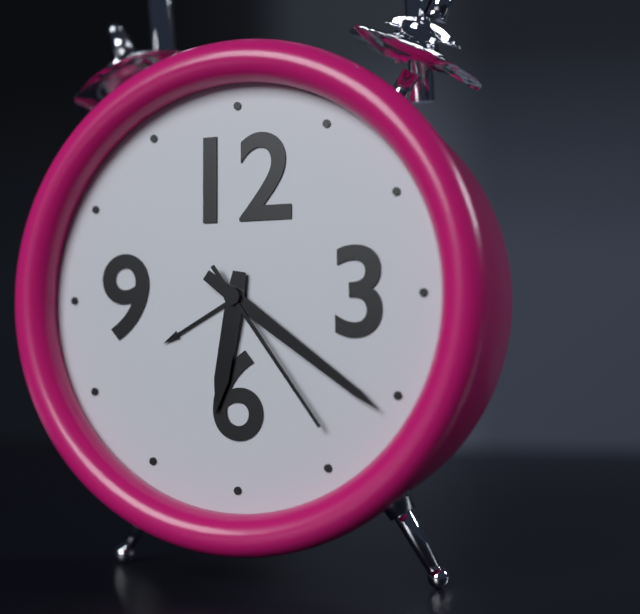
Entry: 6h21m24s
